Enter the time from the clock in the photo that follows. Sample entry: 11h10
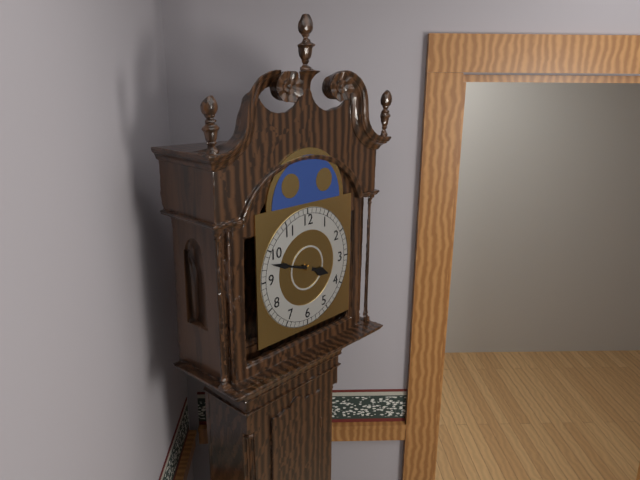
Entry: 3h48
